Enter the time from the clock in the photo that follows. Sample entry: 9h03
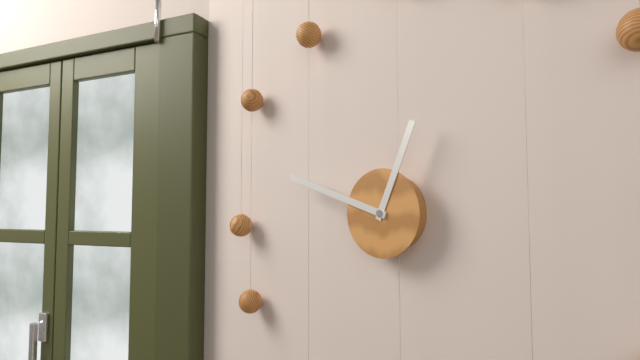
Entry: 12h48
